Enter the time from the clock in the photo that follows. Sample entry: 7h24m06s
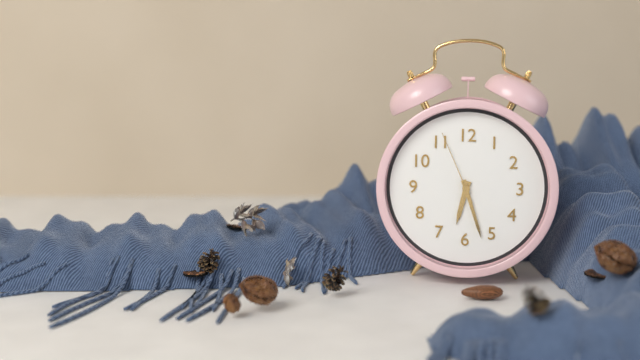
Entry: 6h27m56s
